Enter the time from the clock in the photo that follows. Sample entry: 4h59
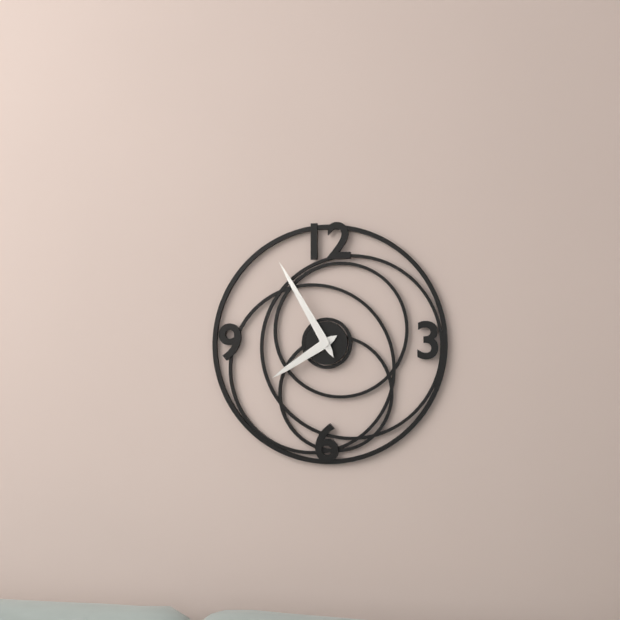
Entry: 7h55
